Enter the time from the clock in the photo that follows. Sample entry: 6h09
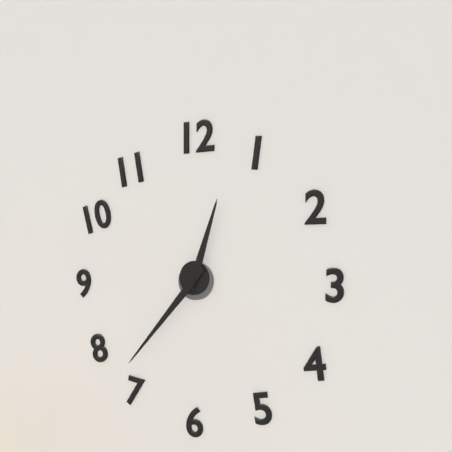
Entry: 12h37
